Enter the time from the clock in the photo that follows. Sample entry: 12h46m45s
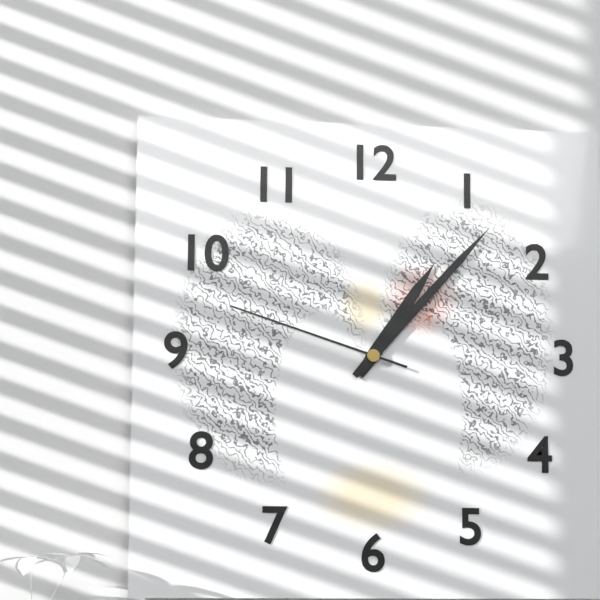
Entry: 1h07m48s
